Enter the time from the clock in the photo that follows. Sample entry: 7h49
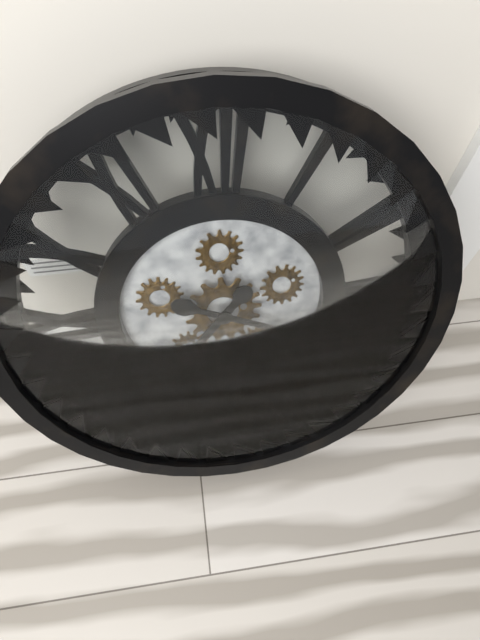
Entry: 7h19
